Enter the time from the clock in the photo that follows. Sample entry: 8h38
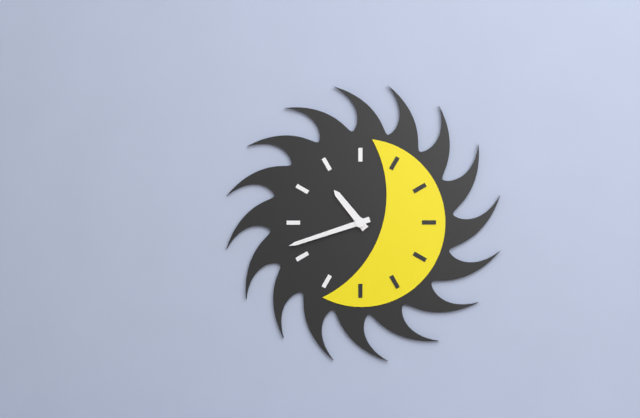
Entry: 10h42
